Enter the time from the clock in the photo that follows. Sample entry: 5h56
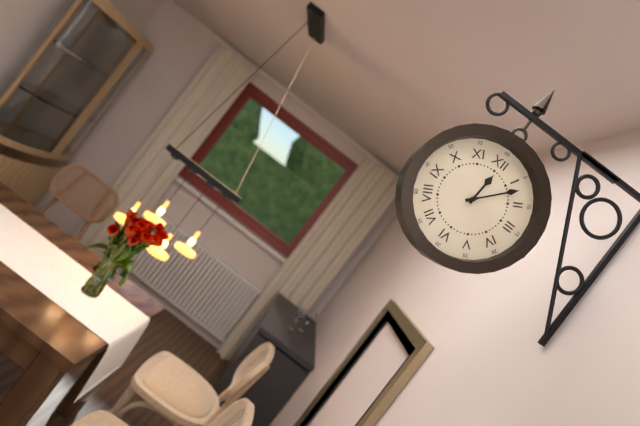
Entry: 12h07
